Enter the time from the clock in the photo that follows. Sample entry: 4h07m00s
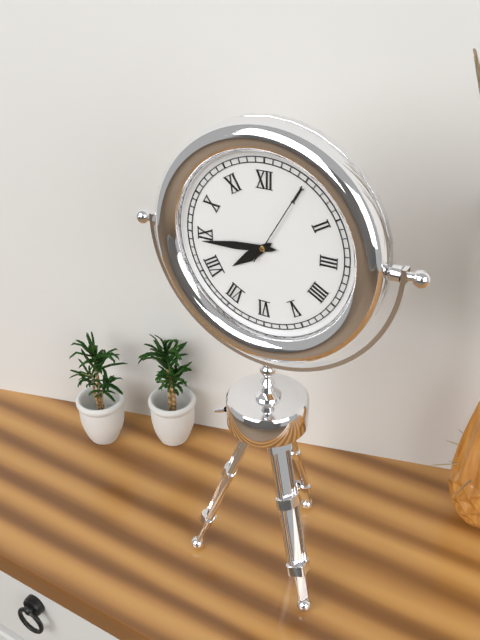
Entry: 7h44m05s
